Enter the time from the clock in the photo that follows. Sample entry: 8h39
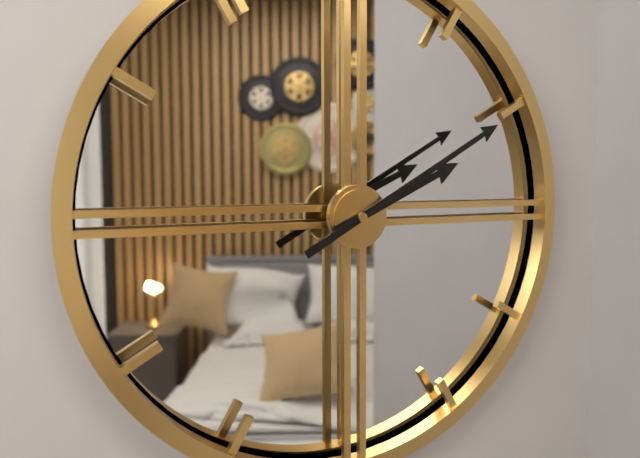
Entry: 2h10
